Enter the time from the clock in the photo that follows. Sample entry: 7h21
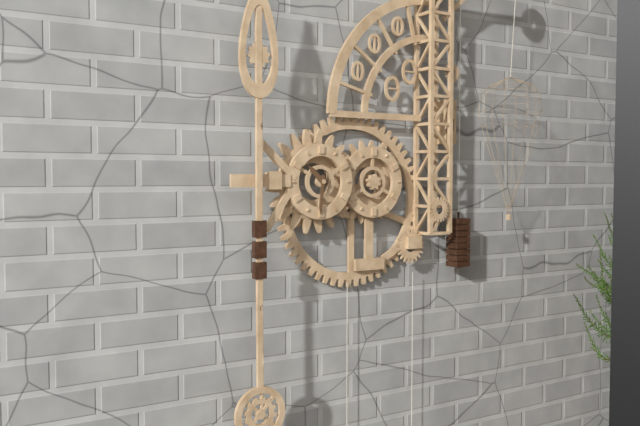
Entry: 10h31
